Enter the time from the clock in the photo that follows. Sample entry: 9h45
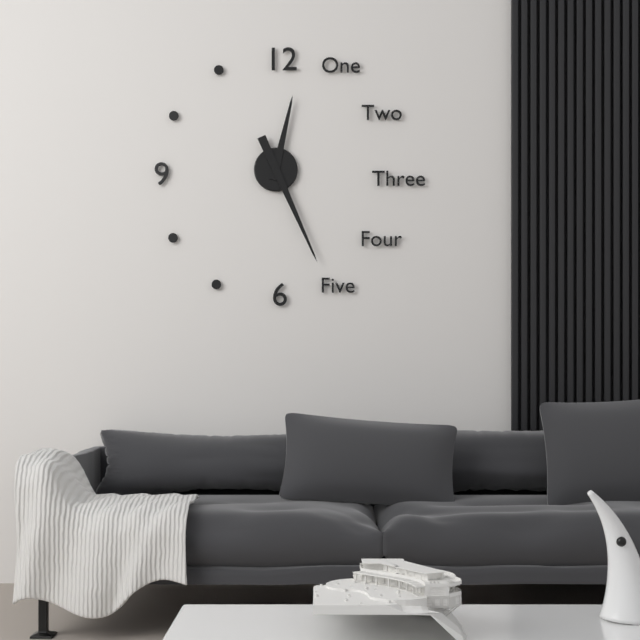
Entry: 12h26
